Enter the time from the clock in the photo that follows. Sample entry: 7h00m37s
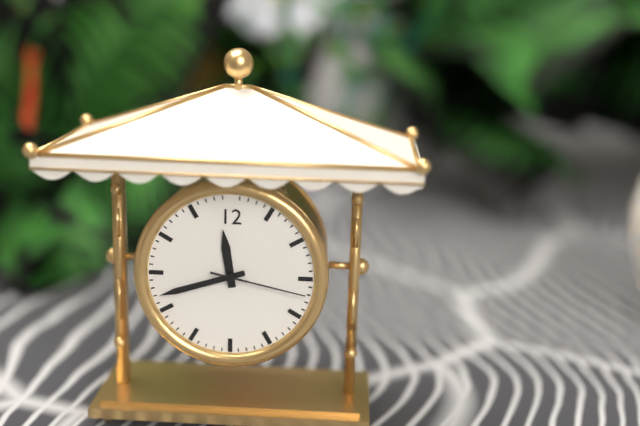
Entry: 11h42m17s
